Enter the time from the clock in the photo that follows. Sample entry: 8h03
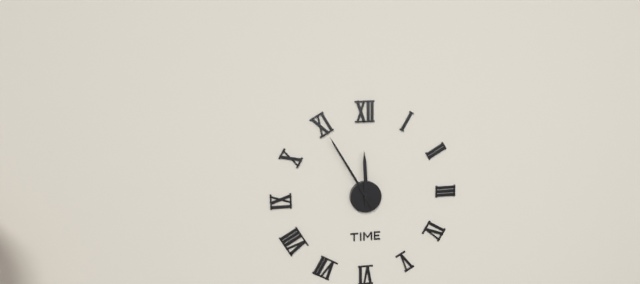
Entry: 11h55
